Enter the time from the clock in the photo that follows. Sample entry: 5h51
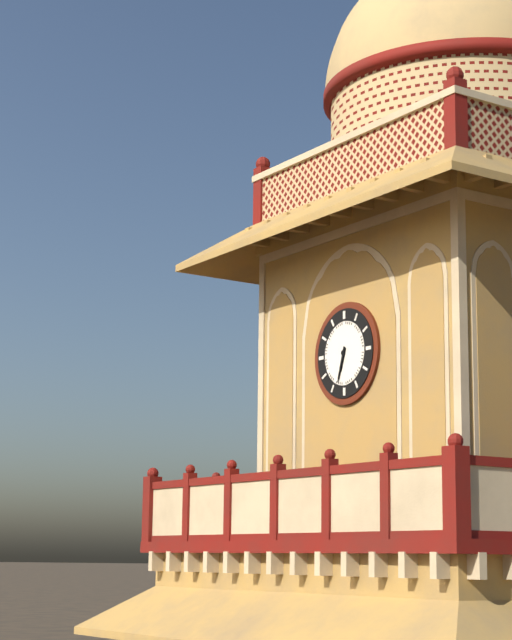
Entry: 6h33
